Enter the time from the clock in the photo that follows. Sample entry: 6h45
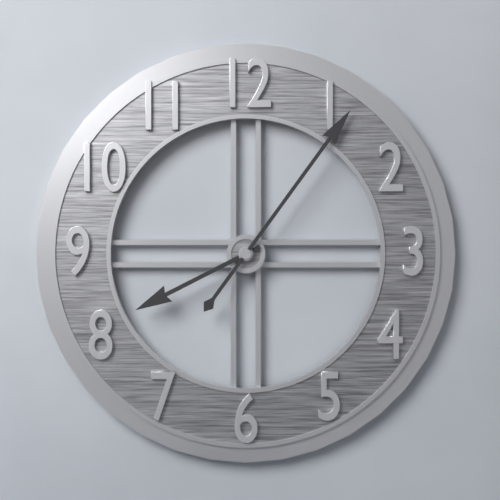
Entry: 8h06
